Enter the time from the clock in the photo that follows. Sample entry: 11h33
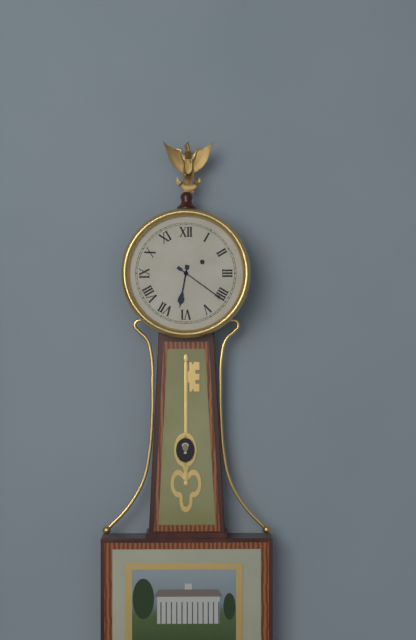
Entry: 6h21
